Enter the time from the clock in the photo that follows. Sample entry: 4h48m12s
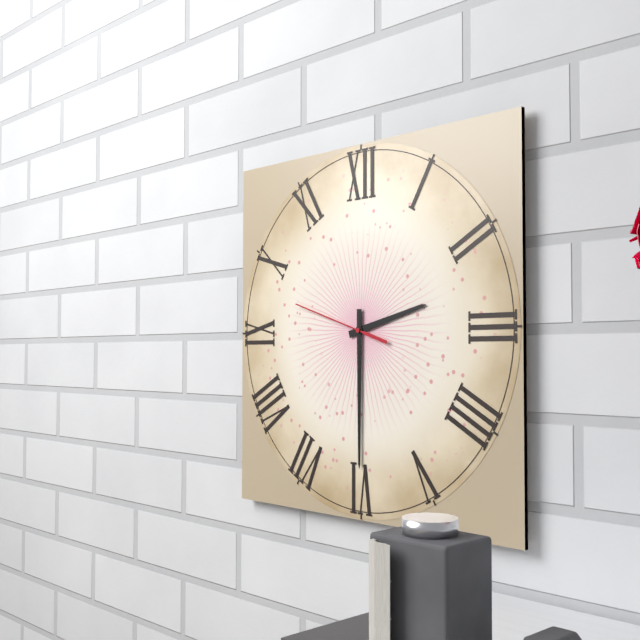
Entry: 2h30m48s
